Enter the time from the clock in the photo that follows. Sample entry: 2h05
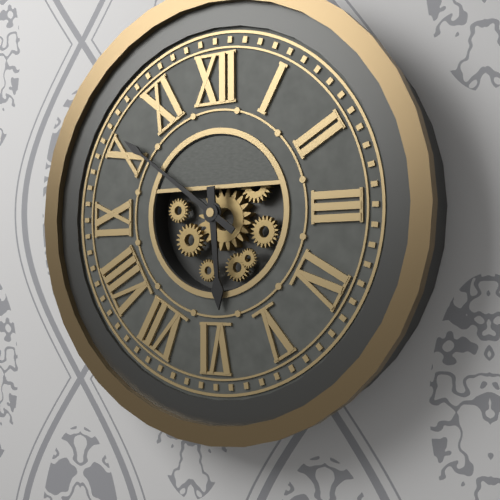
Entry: 5h51
